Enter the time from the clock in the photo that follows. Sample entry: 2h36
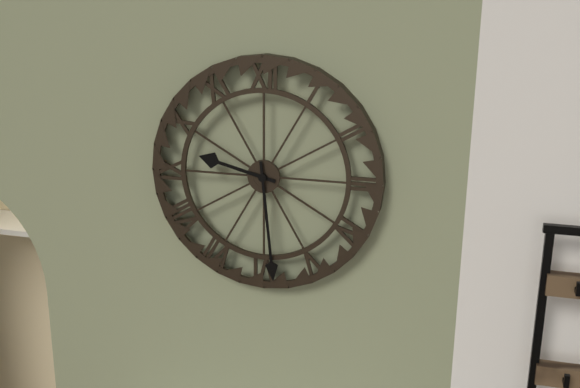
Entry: 9h29
